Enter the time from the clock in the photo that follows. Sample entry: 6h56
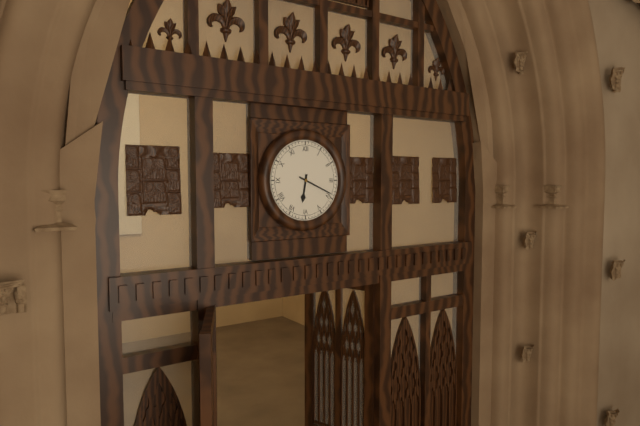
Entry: 6h19
